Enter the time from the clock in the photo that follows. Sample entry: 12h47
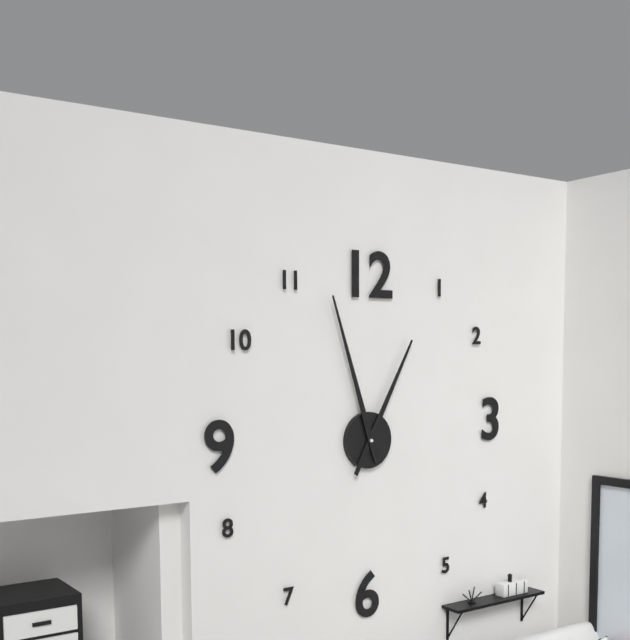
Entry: 12h57
